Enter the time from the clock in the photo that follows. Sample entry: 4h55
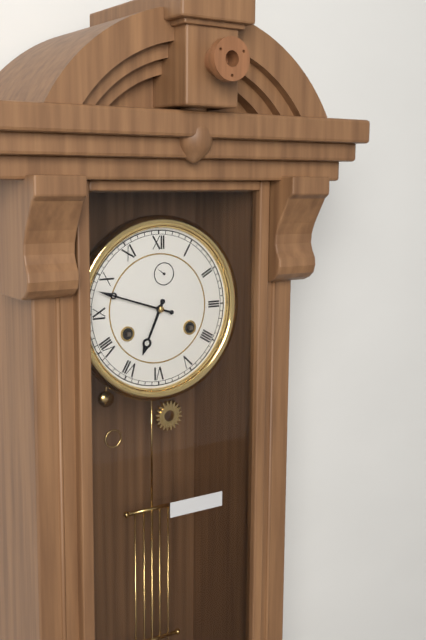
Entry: 6h48
